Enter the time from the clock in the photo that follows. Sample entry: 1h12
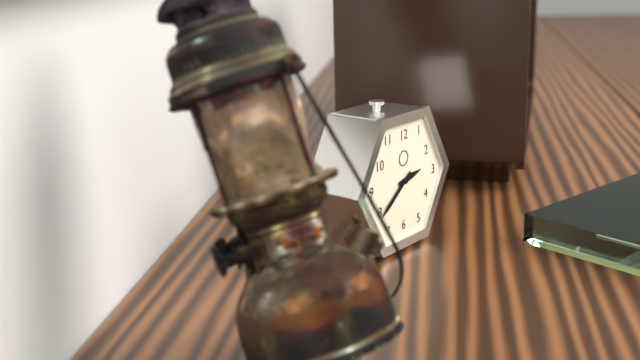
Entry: 2h39
